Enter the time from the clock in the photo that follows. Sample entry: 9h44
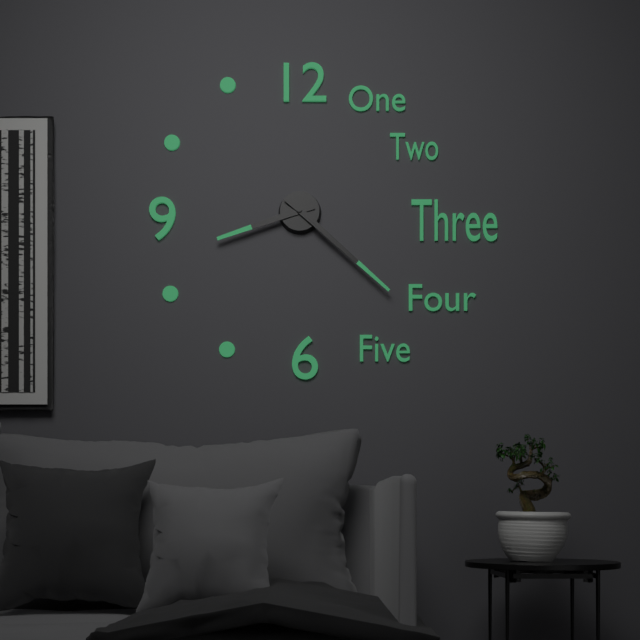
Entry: 8h22
